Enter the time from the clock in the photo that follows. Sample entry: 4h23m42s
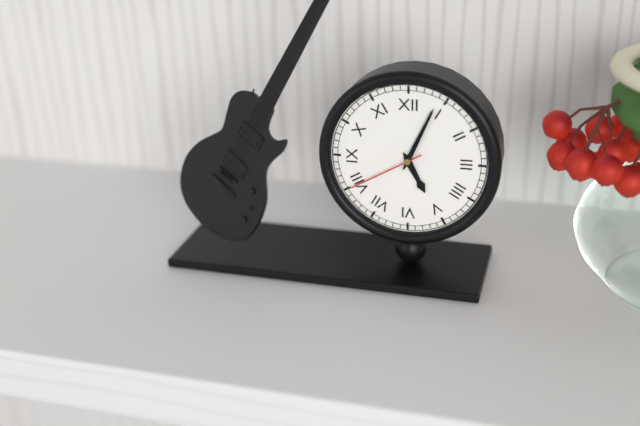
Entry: 5h04m40s
